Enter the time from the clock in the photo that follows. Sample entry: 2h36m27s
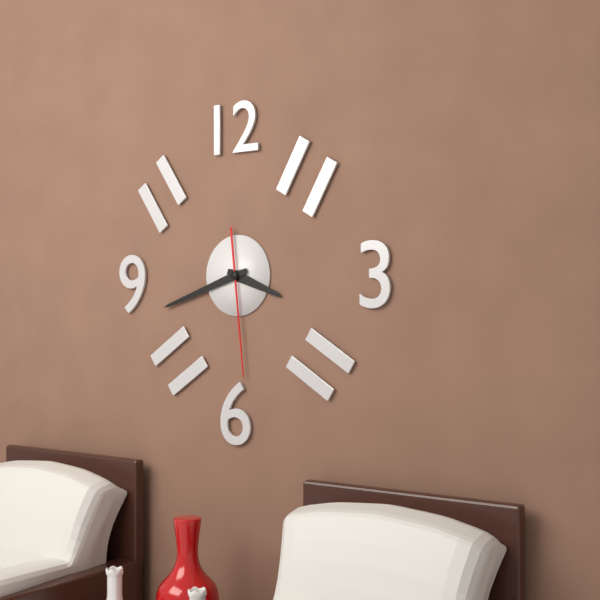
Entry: 3h42m29s
